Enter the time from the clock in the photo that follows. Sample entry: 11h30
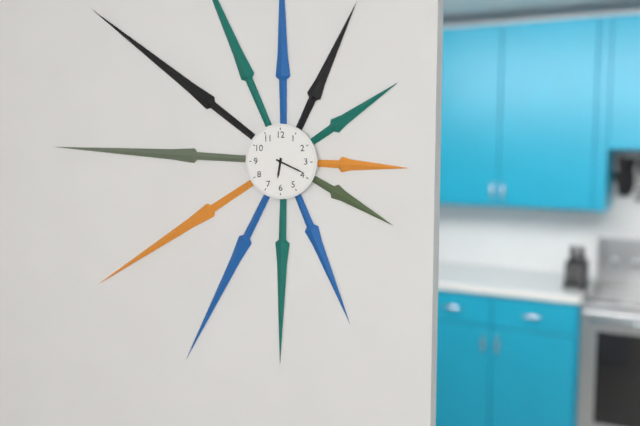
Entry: 6h19
